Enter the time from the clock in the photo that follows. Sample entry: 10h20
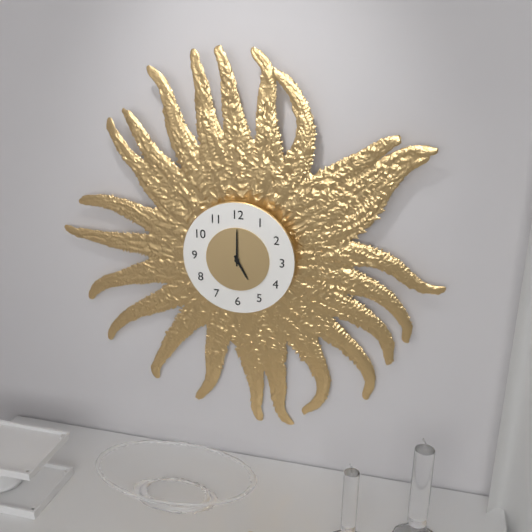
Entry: 5h00
